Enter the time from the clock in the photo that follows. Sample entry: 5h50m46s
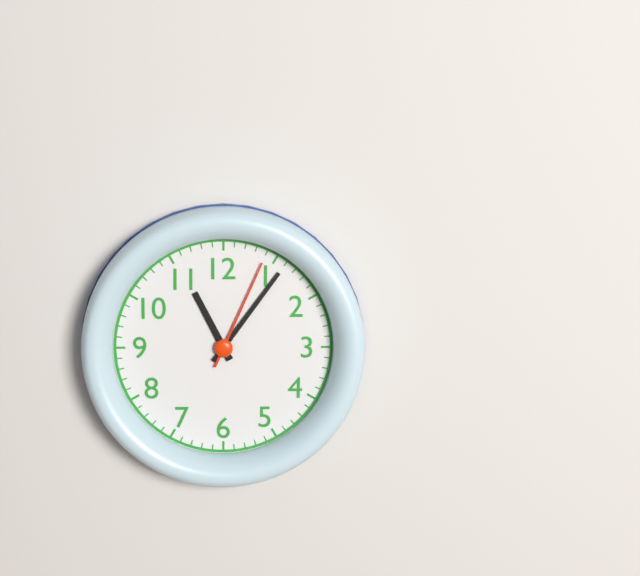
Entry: 11h06m04s
